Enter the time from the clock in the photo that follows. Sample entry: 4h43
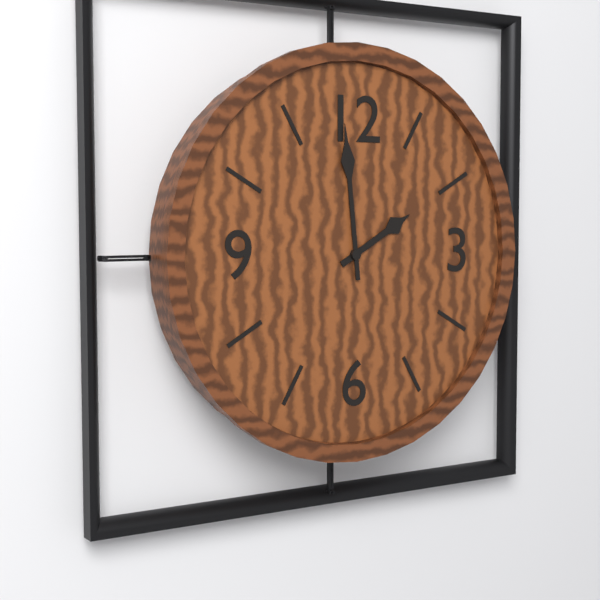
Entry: 1h59
